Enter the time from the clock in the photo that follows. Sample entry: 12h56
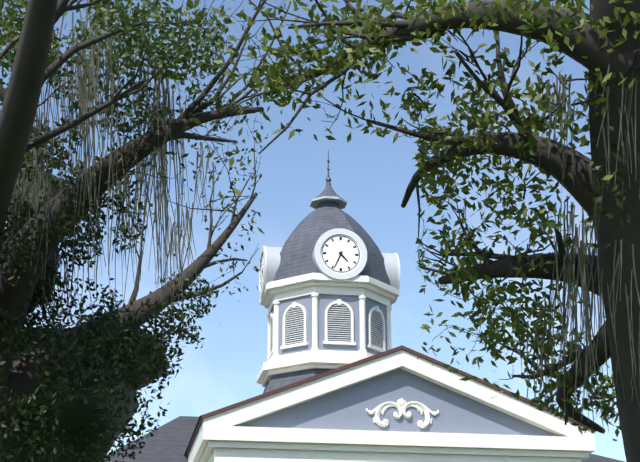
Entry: 4h34
